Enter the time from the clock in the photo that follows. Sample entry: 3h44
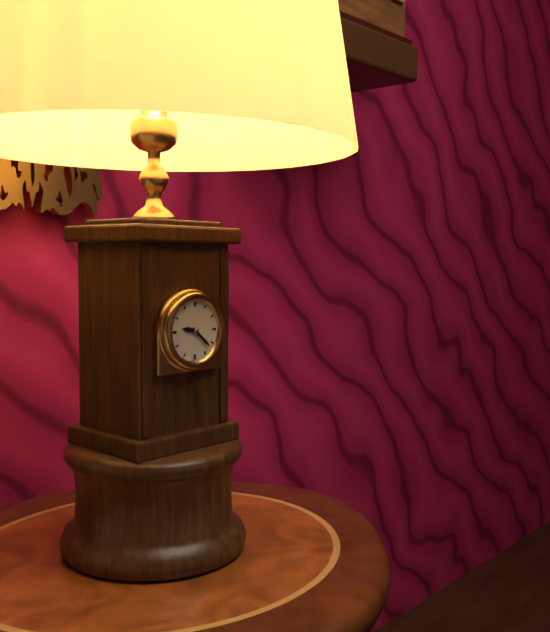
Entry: 9h22
